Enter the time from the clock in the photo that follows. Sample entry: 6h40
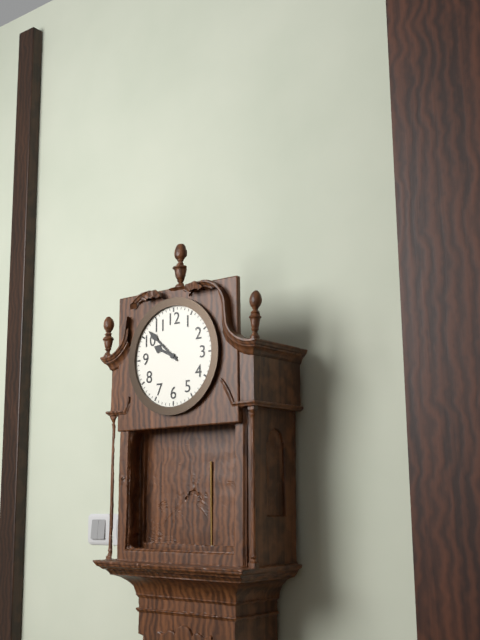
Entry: 9h52
